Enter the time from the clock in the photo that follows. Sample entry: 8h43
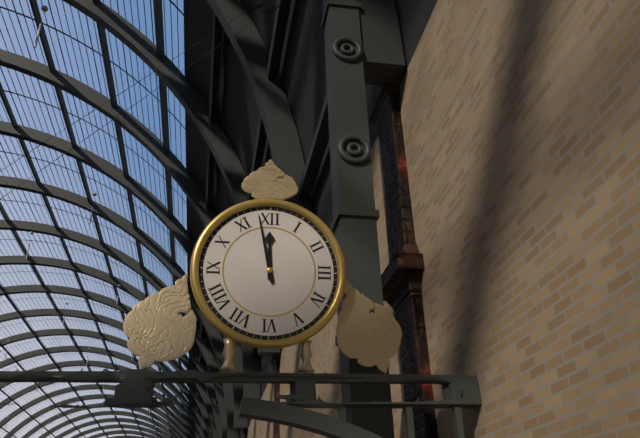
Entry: 11h58
